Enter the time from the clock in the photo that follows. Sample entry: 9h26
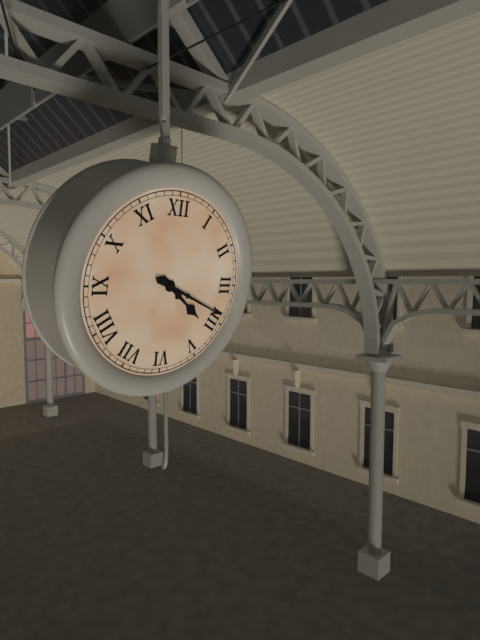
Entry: 4h19
